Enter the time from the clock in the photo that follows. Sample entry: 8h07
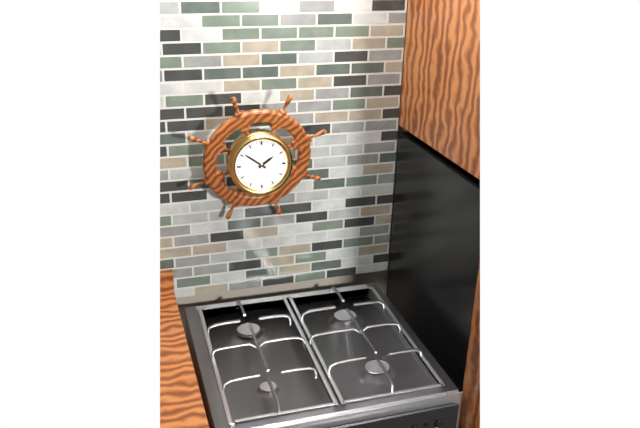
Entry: 1h51
